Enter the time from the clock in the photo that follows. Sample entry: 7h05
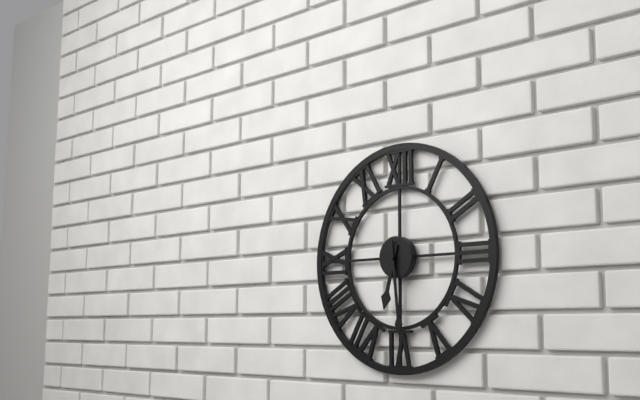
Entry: 6h29
